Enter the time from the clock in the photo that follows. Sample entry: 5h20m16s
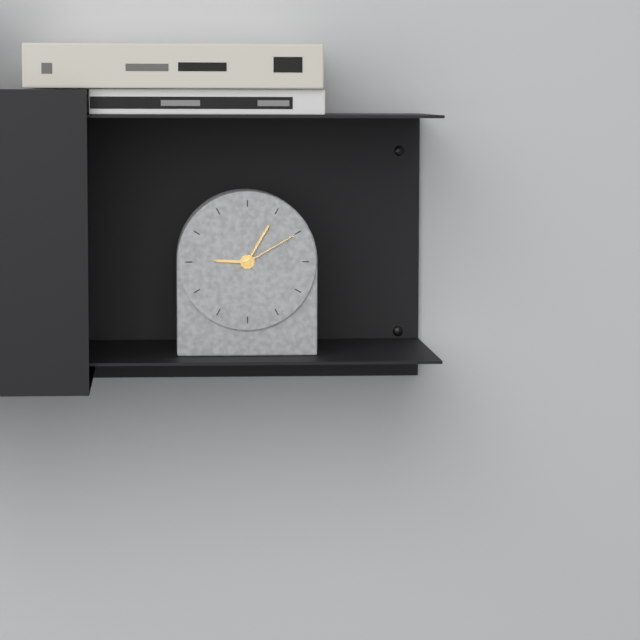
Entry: 9h05m10s
